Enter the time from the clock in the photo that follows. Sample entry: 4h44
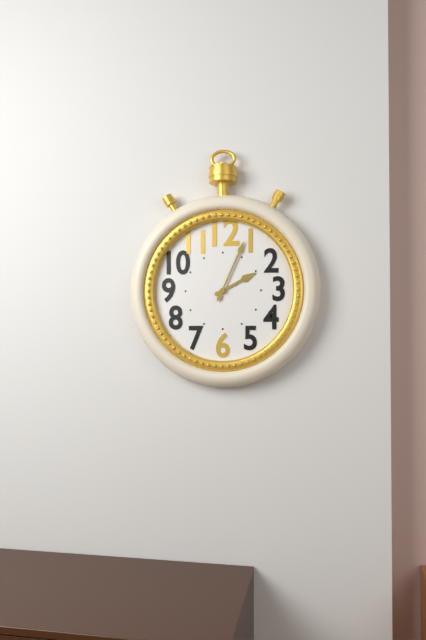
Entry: 2h04
